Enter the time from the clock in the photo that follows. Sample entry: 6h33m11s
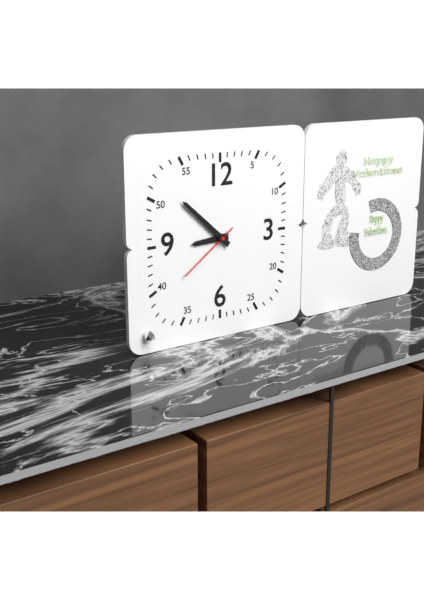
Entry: 8h52m39s
